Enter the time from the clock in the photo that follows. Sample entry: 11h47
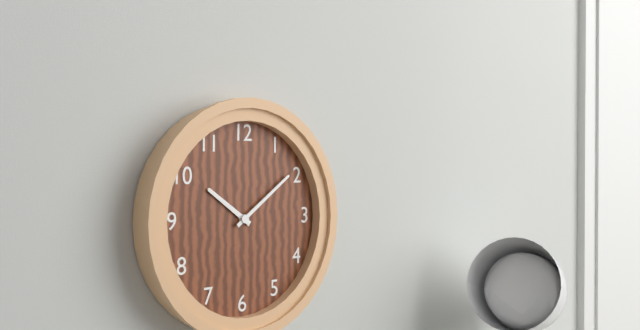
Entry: 10h09
